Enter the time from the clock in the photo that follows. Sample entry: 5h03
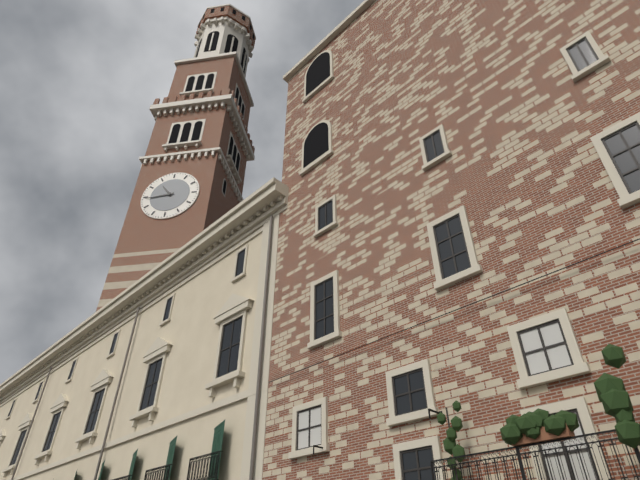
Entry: 10h44
